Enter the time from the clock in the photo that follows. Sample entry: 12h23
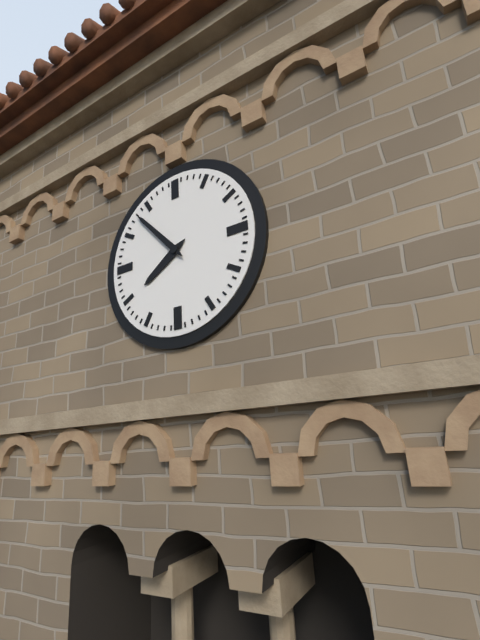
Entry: 7h53
